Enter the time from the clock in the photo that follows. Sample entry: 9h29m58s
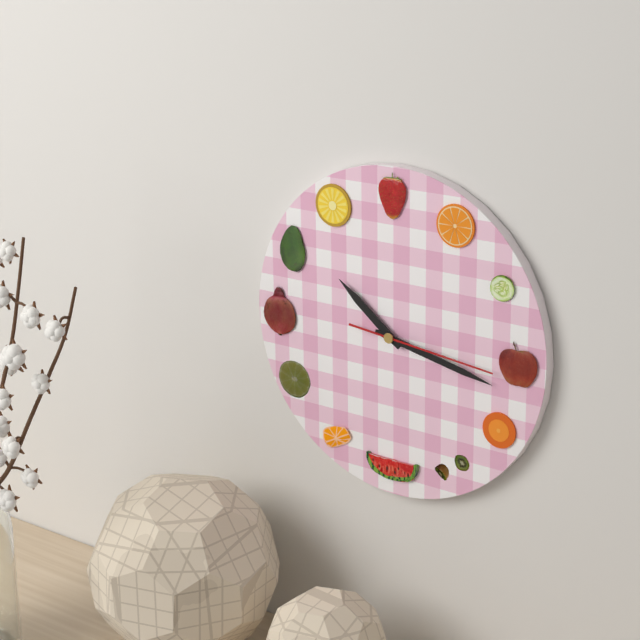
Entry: 10h17m16s
